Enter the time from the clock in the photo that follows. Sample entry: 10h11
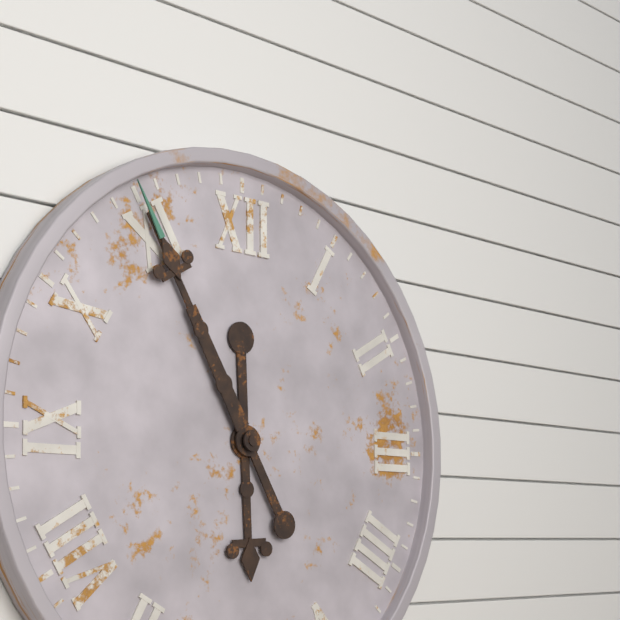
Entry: 5h55
